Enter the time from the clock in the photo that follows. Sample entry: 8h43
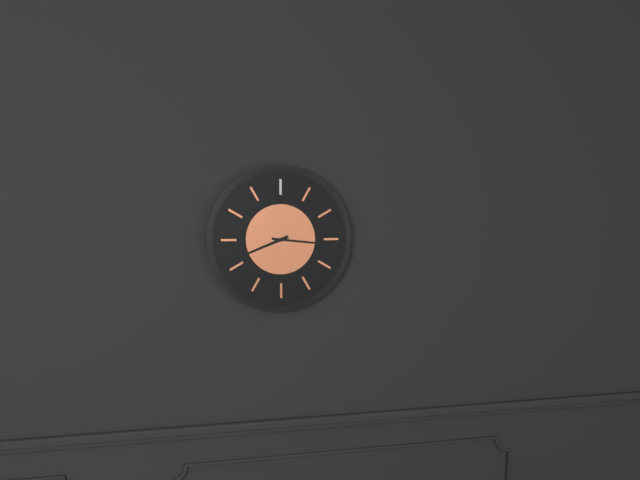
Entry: 8h16
